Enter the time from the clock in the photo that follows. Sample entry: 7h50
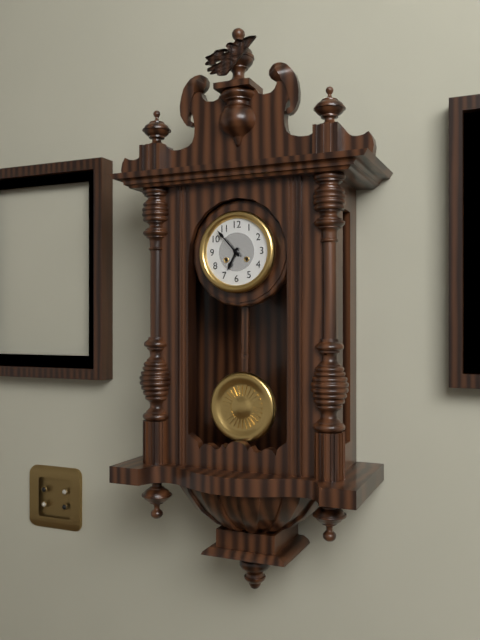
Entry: 6h53
